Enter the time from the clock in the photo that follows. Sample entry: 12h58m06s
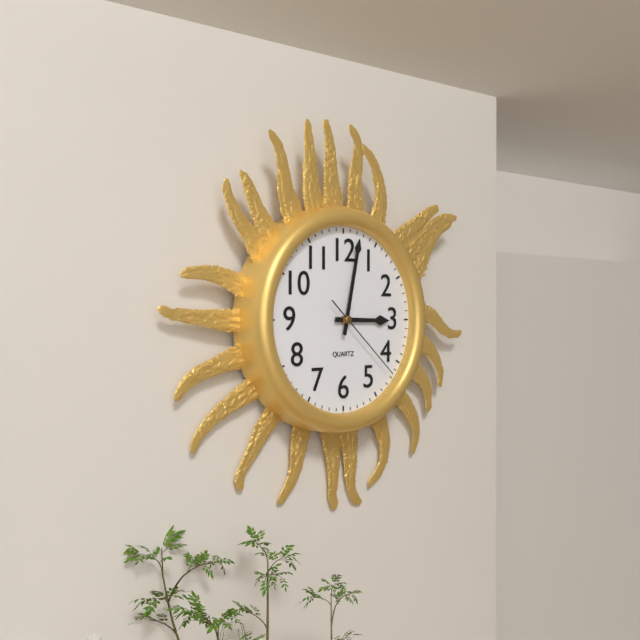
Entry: 3h02m22s
